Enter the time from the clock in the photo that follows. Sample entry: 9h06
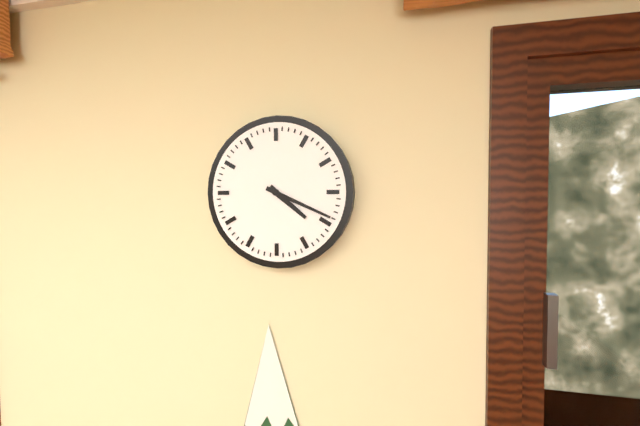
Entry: 4h19
